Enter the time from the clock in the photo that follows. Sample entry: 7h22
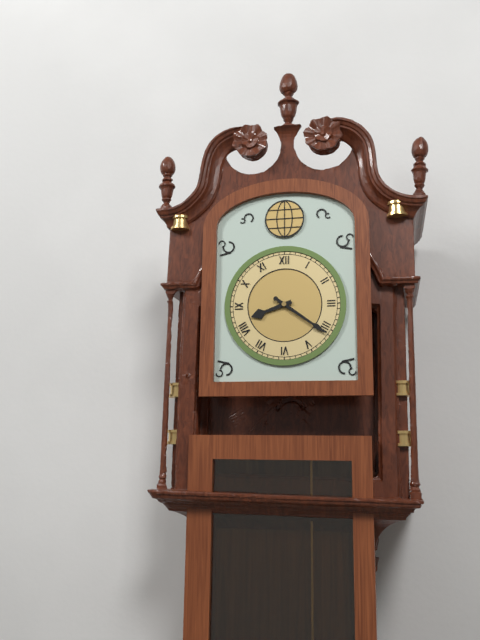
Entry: 8h21
